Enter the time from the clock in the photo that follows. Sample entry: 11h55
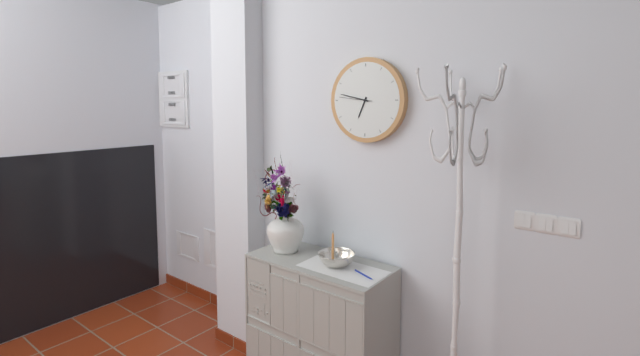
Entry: 6h47
